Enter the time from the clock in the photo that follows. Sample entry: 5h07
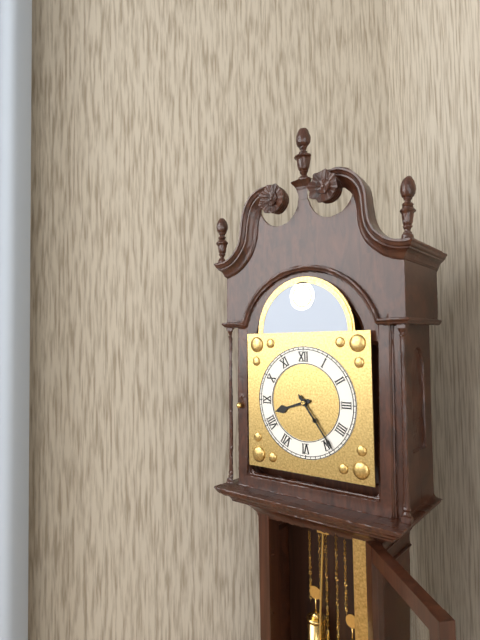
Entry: 8h24
